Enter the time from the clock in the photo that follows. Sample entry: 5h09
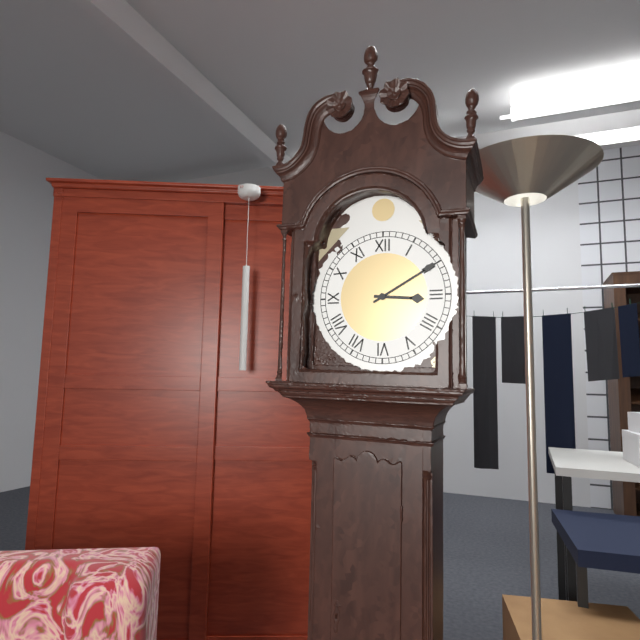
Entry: 3h10
